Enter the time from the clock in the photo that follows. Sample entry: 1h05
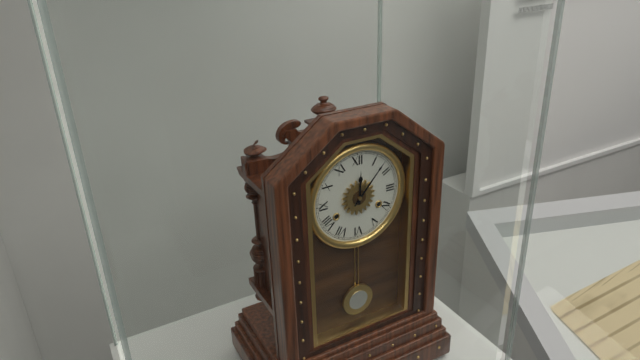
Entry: 12h07
